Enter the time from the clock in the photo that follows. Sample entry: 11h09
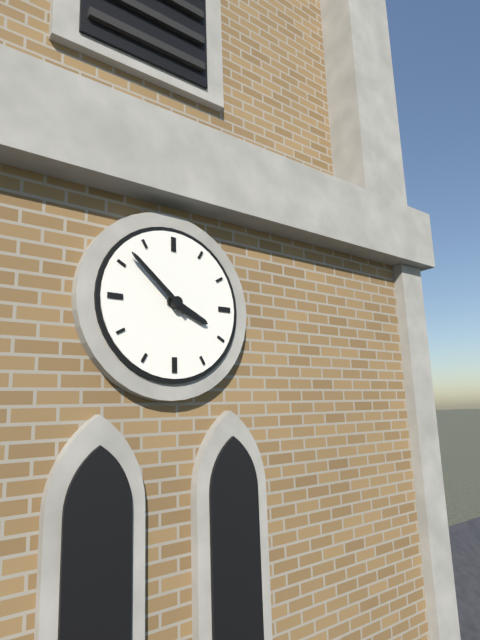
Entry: 3h52
